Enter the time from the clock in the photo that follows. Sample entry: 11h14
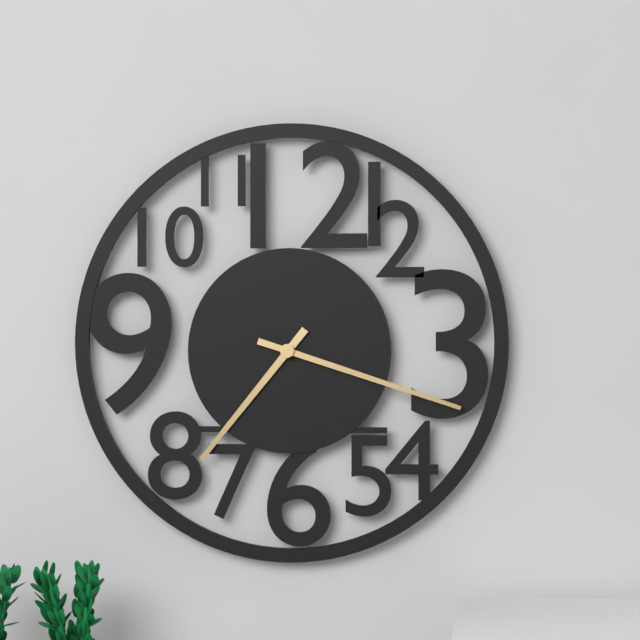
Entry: 7h18
